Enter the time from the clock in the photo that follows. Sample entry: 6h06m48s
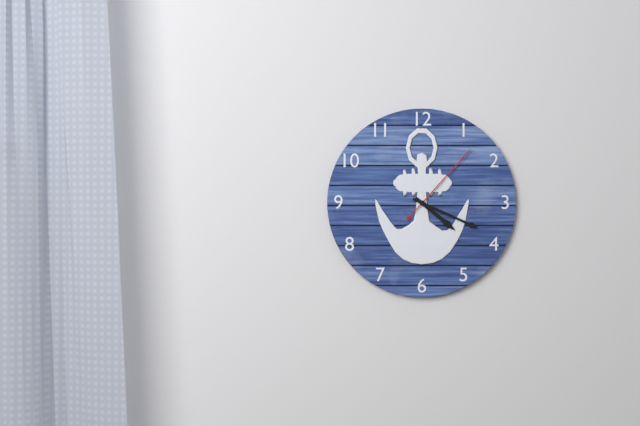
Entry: 4h19m07s
